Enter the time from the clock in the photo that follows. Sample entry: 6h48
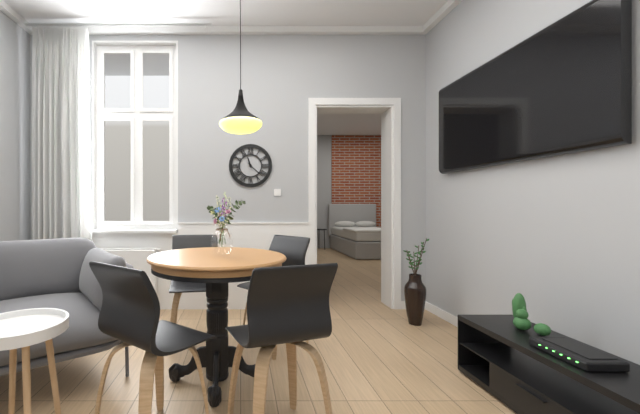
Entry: 11h22
